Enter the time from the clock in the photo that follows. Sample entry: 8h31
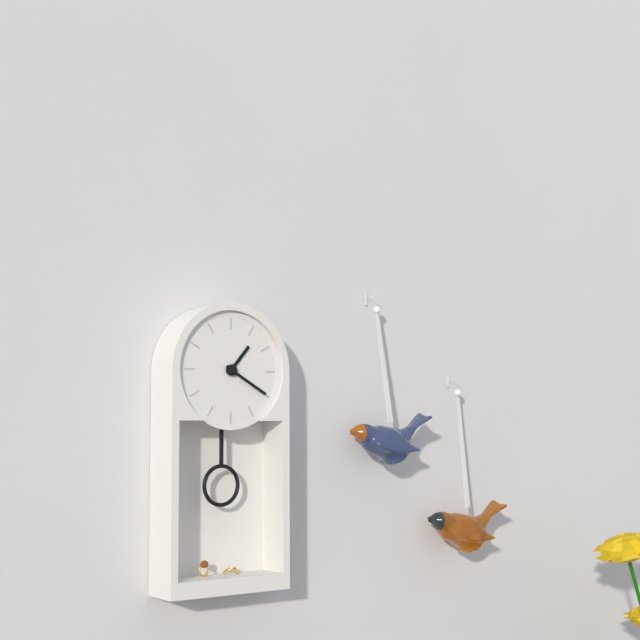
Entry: 1h20
